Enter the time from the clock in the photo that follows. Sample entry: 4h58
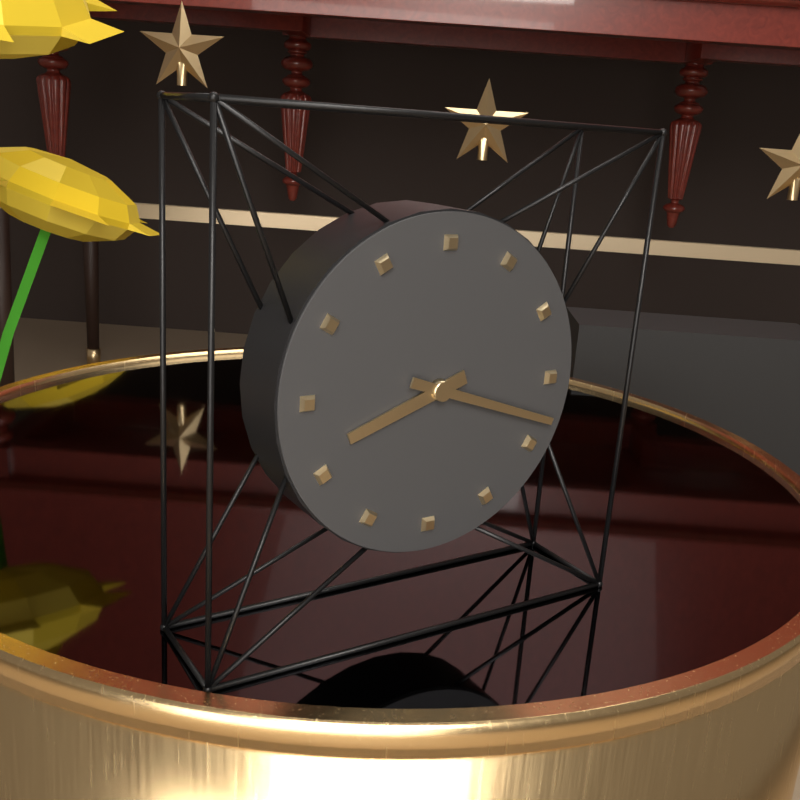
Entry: 8h18
